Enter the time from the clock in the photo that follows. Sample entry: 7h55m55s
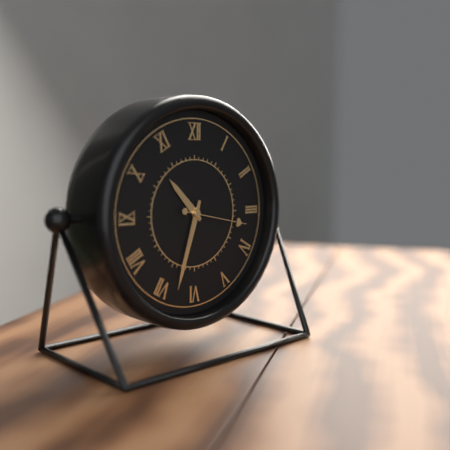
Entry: 10h33m17s
